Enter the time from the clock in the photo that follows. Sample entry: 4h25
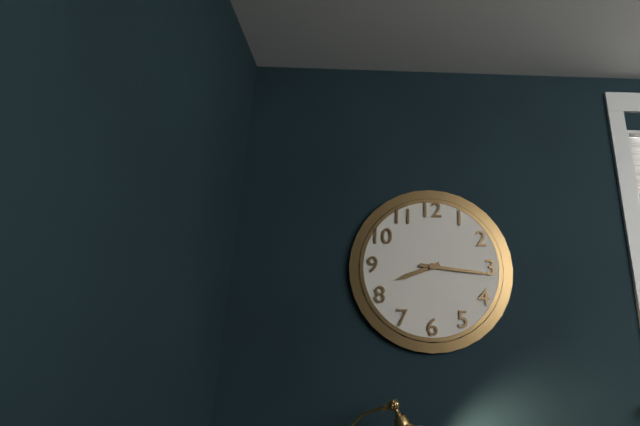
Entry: 8h16
